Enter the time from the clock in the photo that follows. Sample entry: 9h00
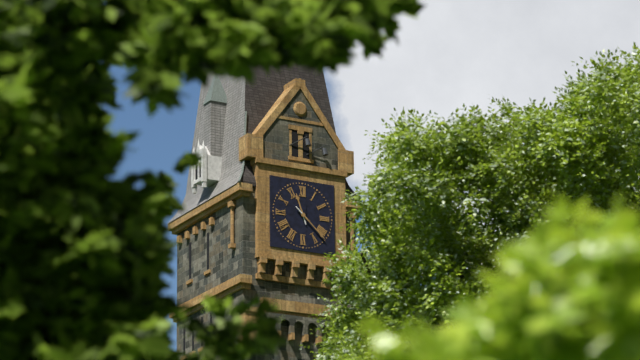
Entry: 11h22
